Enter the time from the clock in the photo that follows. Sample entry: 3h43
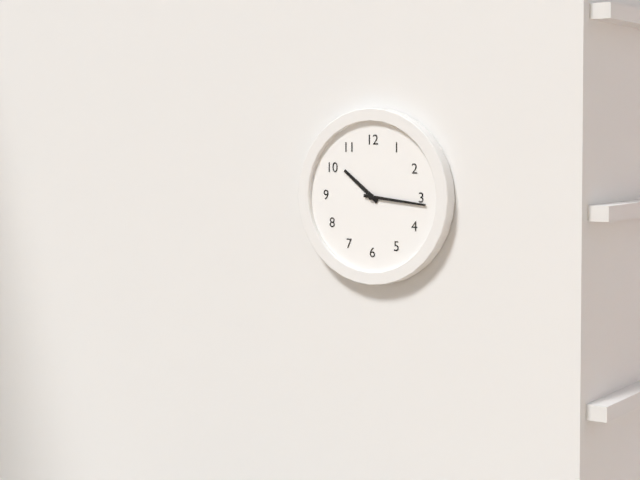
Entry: 10h16
